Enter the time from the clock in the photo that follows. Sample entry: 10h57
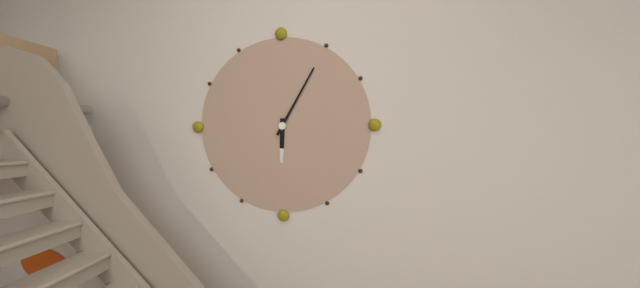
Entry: 6h05
